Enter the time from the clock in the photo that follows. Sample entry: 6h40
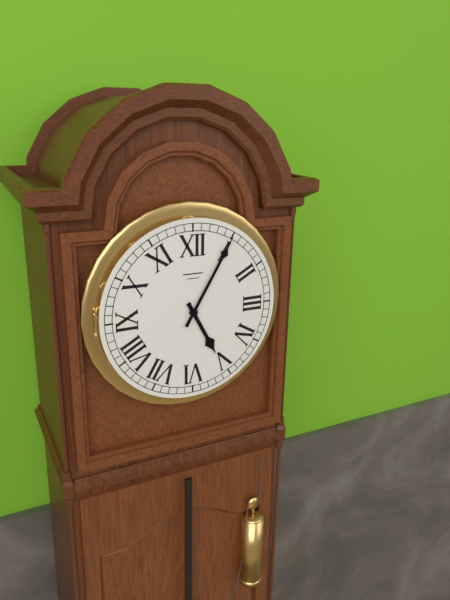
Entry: 5h05
